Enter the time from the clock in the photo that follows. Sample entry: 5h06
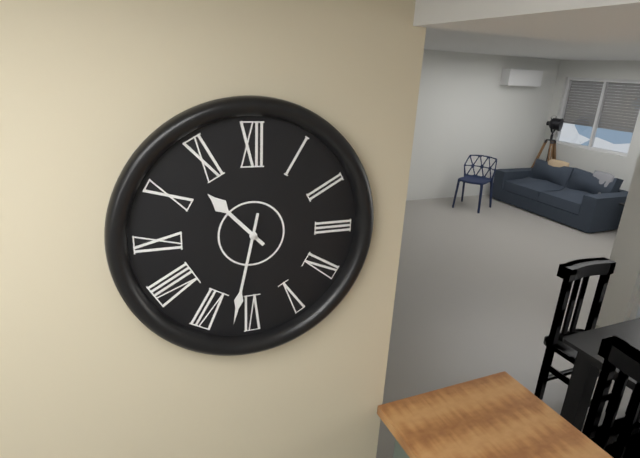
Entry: 10h32
